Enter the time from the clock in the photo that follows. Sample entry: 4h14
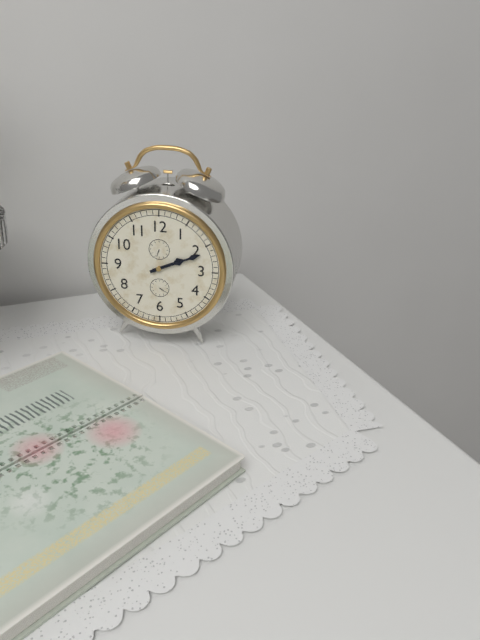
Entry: 2h11
